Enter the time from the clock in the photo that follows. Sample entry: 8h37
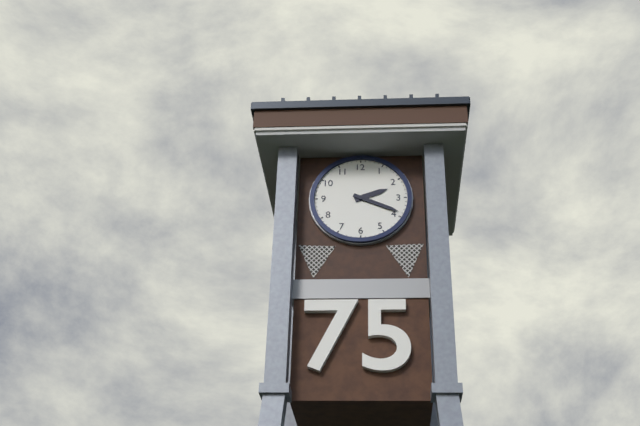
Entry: 2h19
